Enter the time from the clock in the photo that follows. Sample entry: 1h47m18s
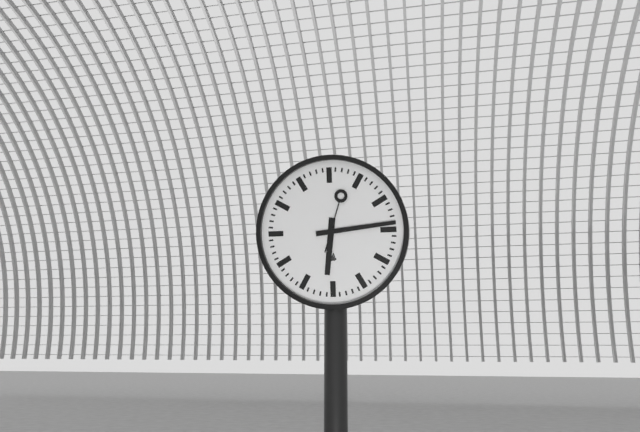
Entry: 6h14m03s
